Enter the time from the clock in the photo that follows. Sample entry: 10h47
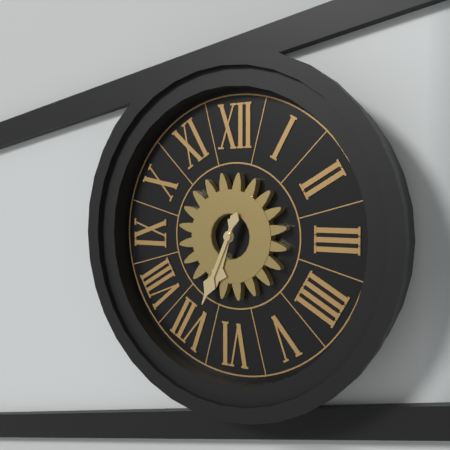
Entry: 6h34
